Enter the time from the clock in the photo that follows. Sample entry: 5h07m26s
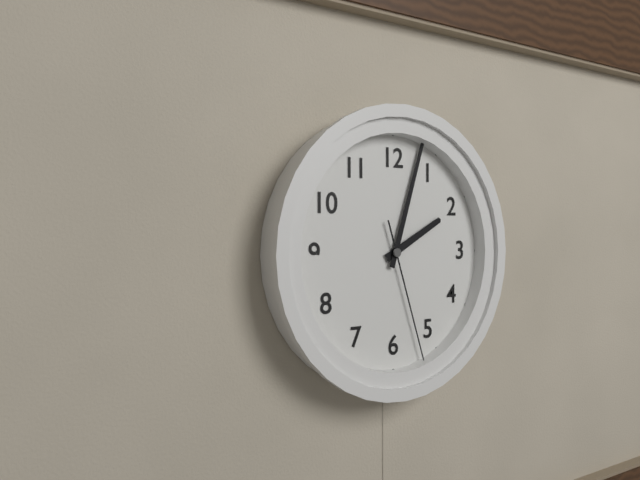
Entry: 2h03m27s
